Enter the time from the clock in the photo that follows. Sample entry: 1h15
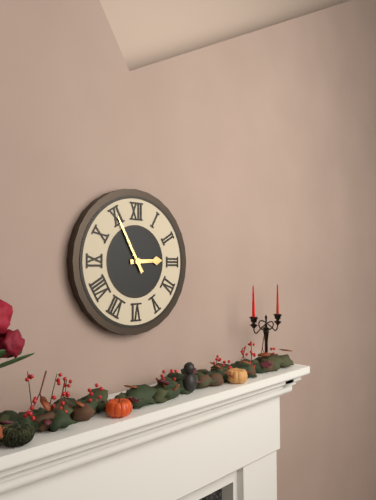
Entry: 2h55
